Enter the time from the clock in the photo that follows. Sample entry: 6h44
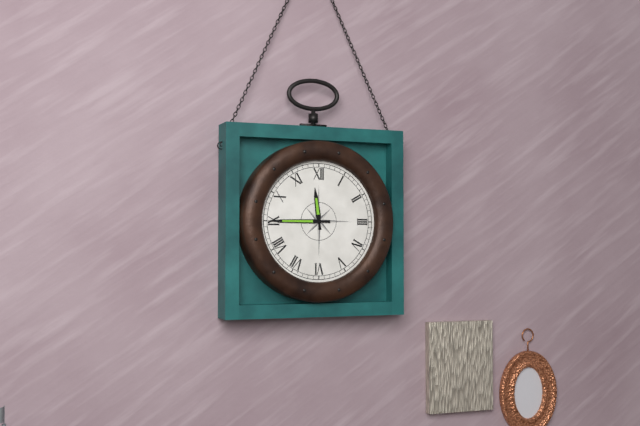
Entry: 11h45
